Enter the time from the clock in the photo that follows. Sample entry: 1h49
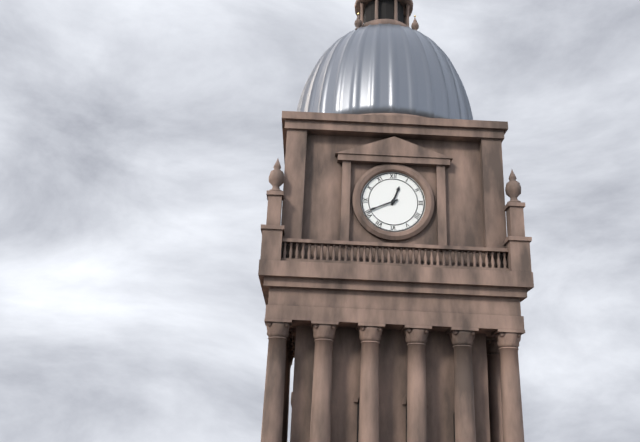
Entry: 12h41
